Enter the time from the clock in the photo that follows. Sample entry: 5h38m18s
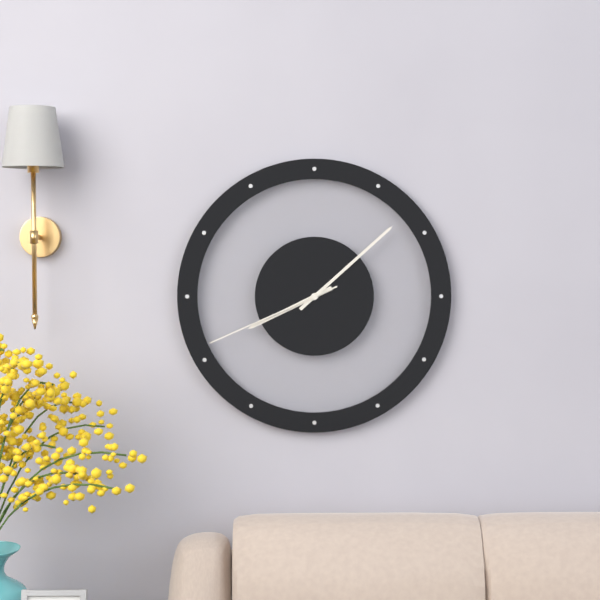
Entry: 8h08m41s
